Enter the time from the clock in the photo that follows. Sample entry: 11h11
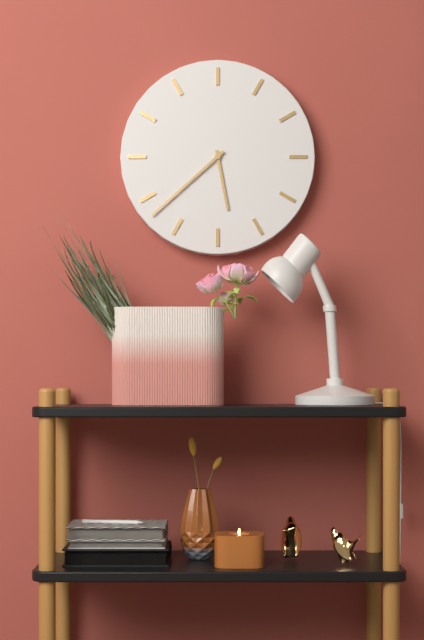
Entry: 5h38
